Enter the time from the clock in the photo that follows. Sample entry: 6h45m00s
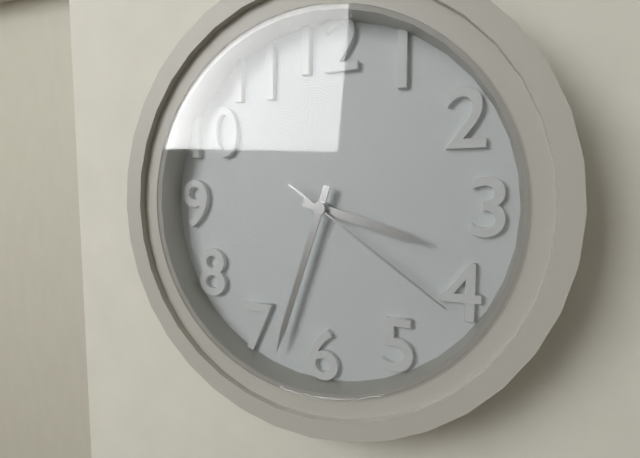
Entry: 3h33m21s
